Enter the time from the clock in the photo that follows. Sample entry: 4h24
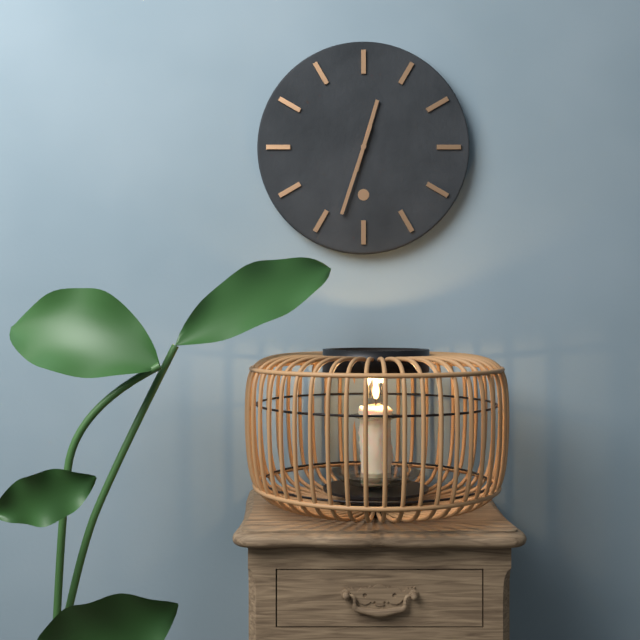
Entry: 12h33
